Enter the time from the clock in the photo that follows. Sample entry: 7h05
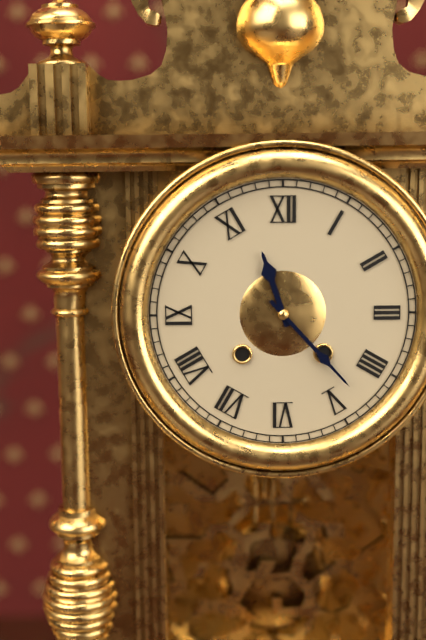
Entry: 11h23
